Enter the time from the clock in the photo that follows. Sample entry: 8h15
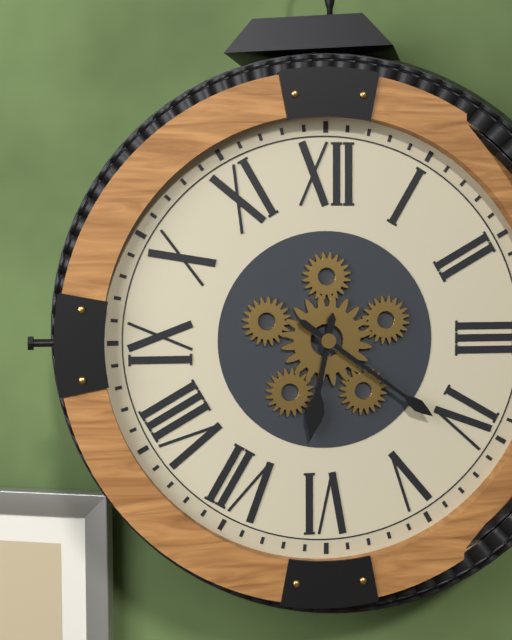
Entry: 6h21
